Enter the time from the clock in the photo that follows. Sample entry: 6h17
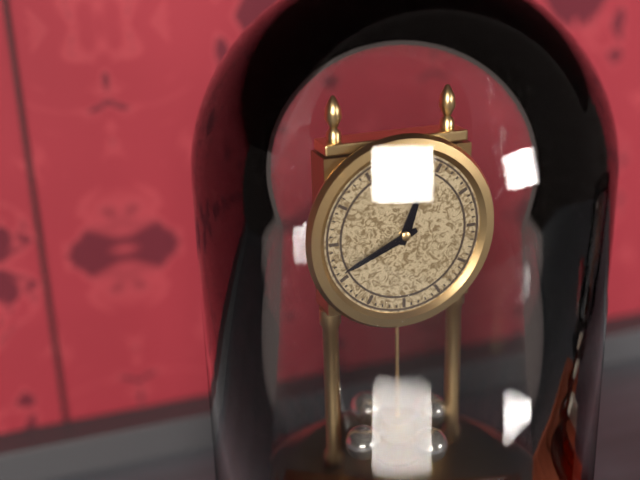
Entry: 12h41
